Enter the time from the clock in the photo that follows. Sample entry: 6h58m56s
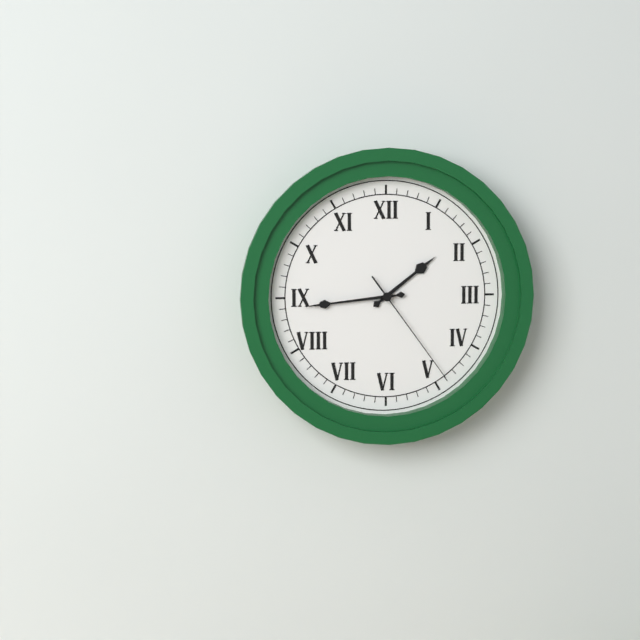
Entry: 1h44m24s
